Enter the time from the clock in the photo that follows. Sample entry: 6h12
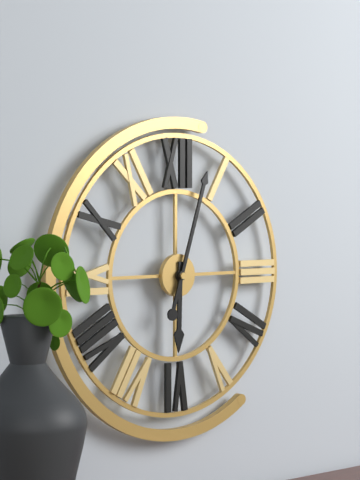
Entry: 6h03
